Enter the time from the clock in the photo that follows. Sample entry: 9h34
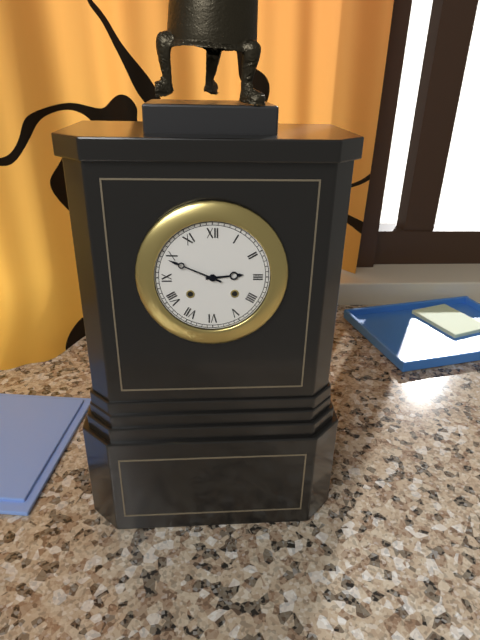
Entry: 2h49
